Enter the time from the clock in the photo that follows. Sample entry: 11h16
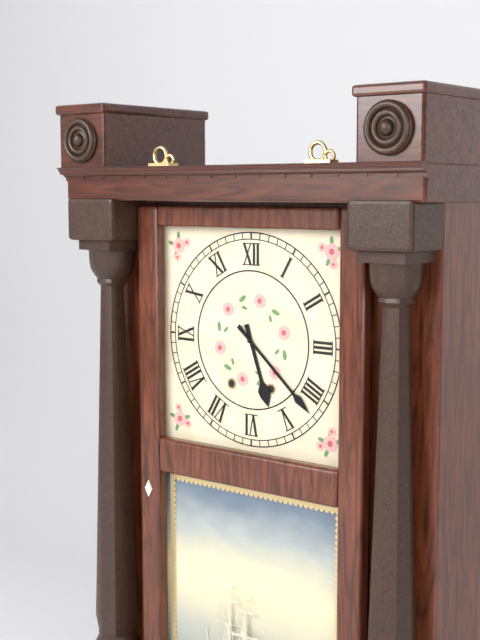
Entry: 5h22
